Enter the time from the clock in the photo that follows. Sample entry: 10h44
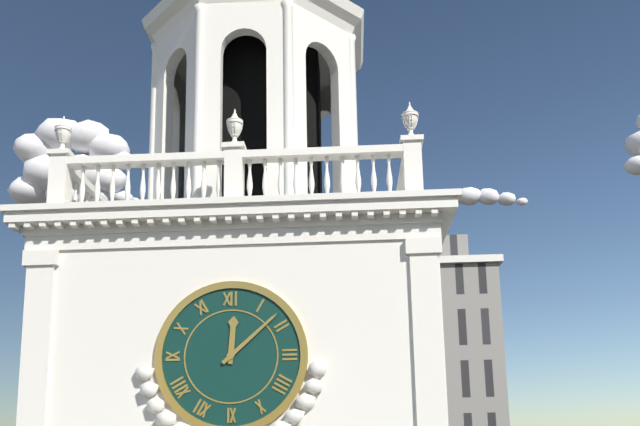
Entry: 12h08
